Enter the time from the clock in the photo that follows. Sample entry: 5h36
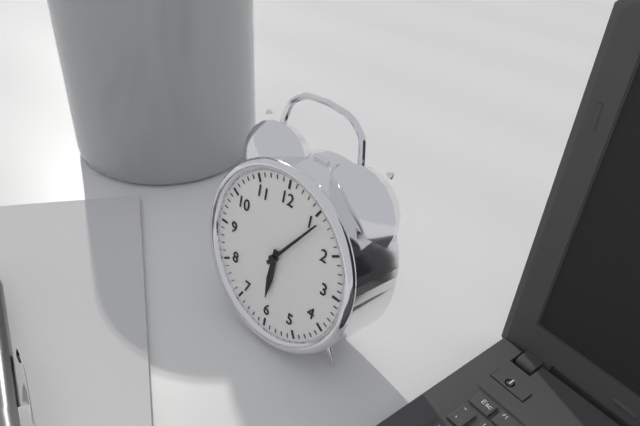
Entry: 6h06
